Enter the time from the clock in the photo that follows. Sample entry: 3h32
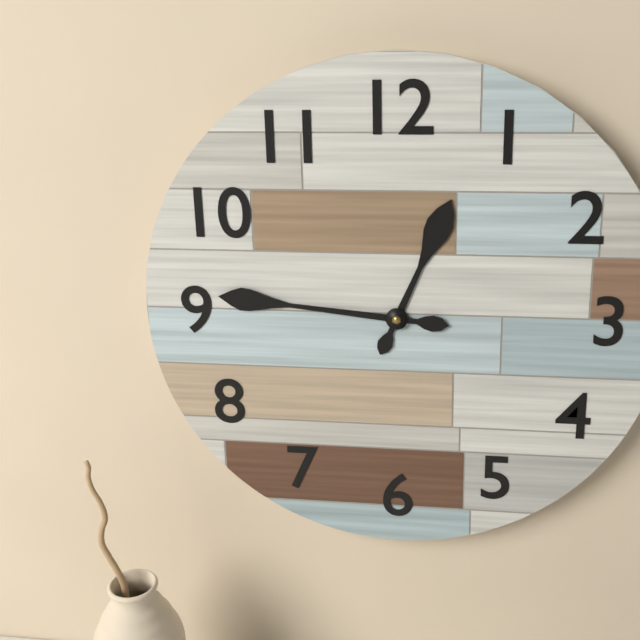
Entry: 12h46
